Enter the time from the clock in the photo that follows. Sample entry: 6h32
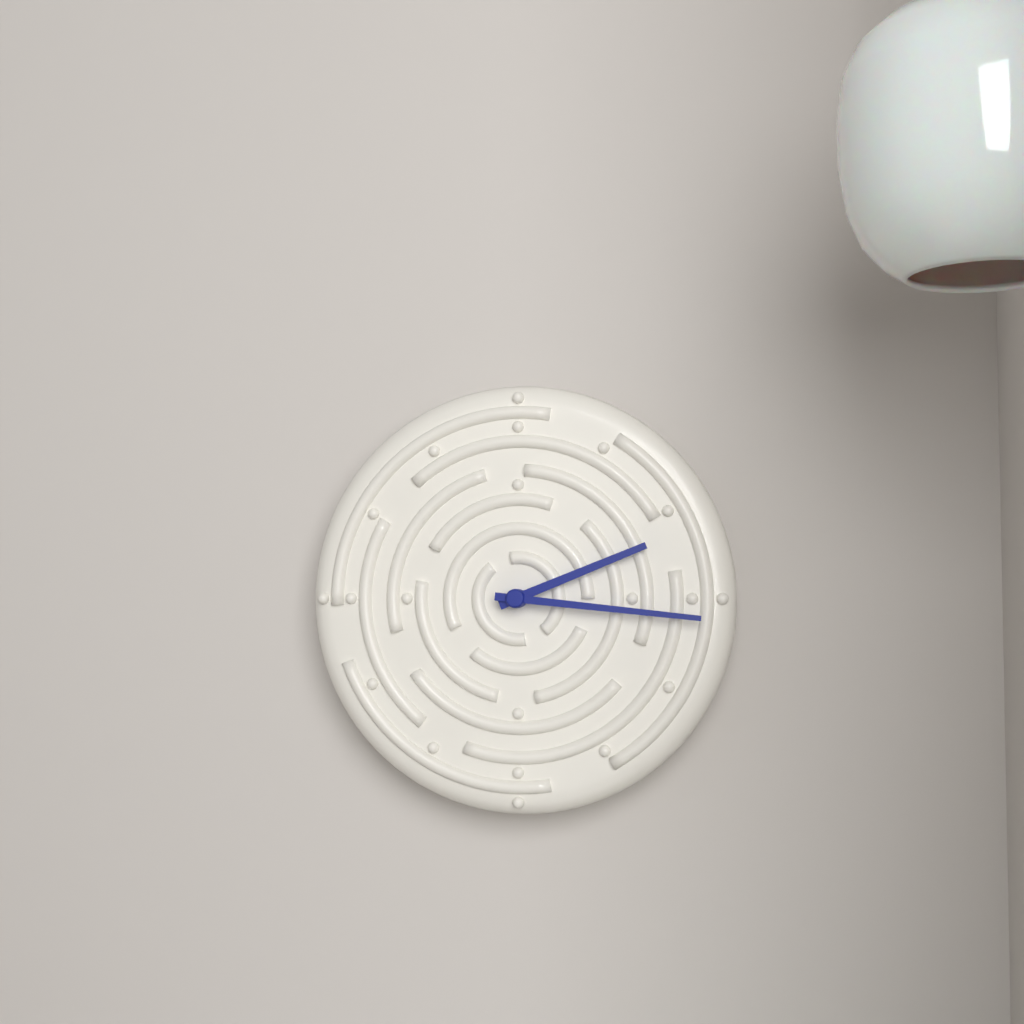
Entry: 2h16
